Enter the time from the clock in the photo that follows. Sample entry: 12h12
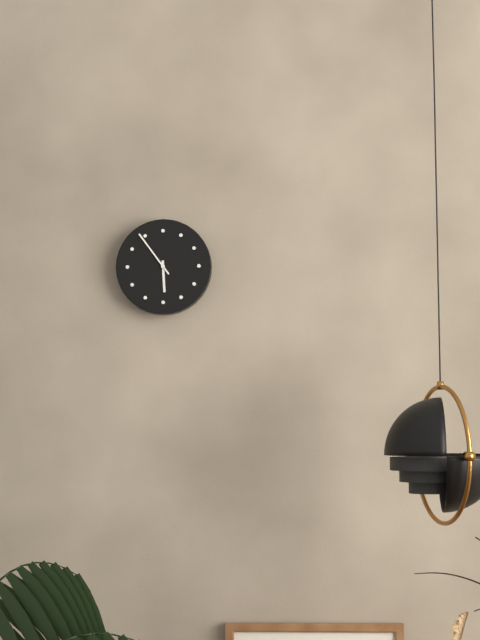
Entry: 5h54
